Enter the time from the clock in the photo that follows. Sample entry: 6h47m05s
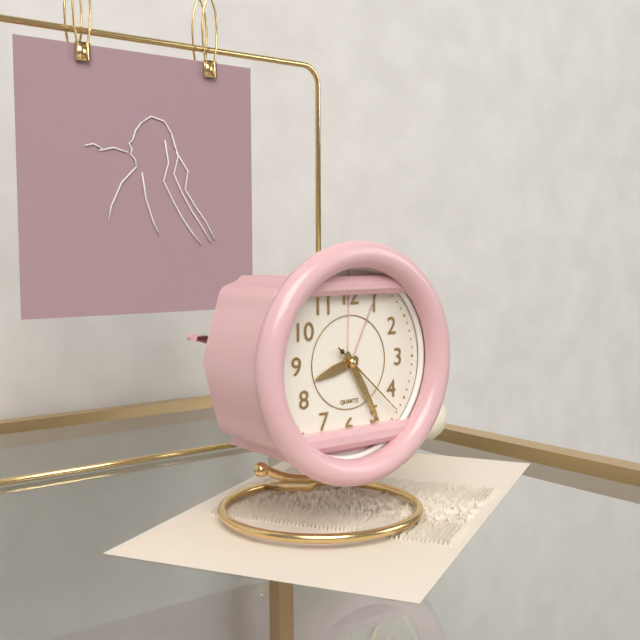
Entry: 8h25m22s
